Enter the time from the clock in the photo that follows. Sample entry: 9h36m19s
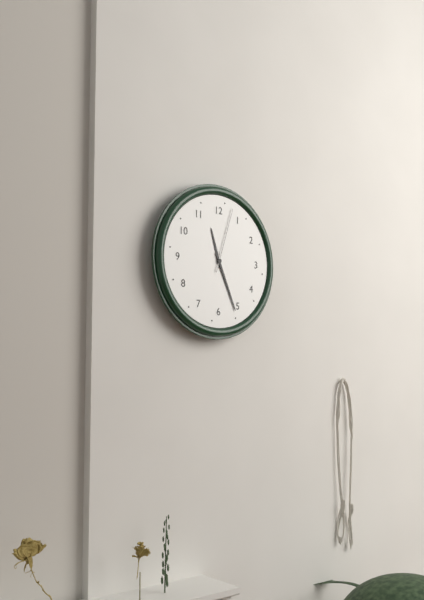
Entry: 11h26m03s
